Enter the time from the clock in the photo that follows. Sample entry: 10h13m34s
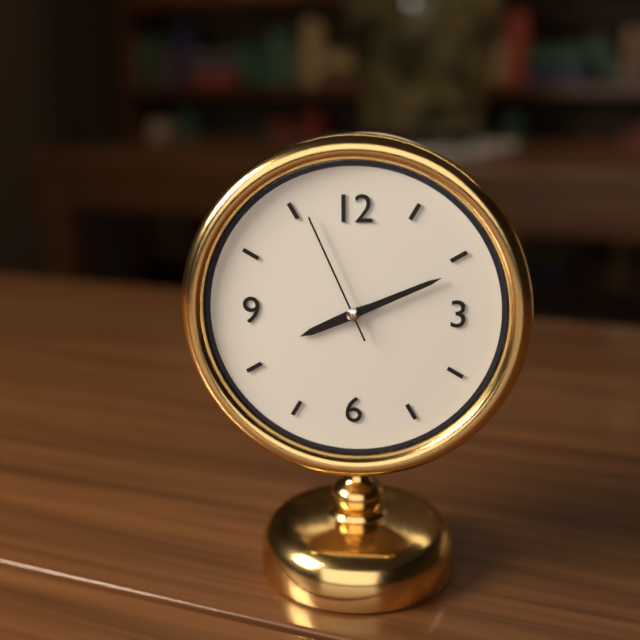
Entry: 8h11m56s
